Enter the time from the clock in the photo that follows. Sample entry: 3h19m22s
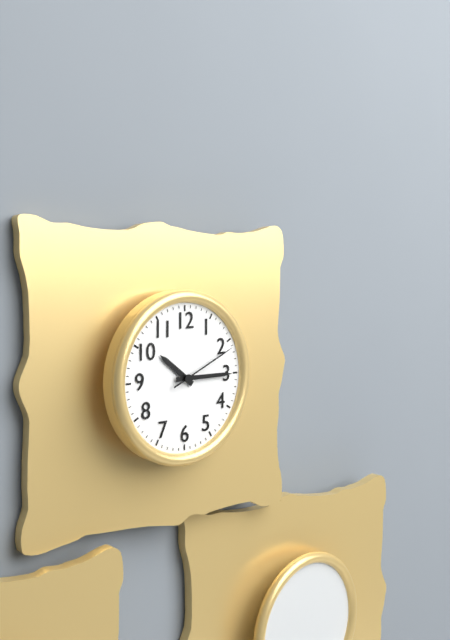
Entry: 10h15m11s
